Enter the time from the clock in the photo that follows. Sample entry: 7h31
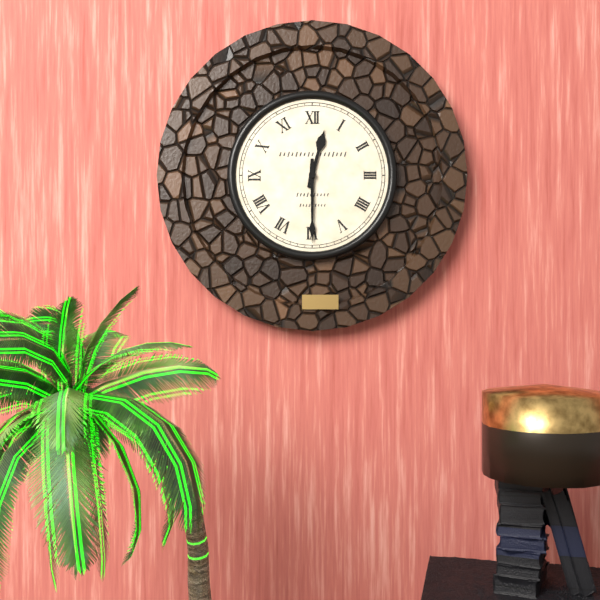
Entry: 12h30
